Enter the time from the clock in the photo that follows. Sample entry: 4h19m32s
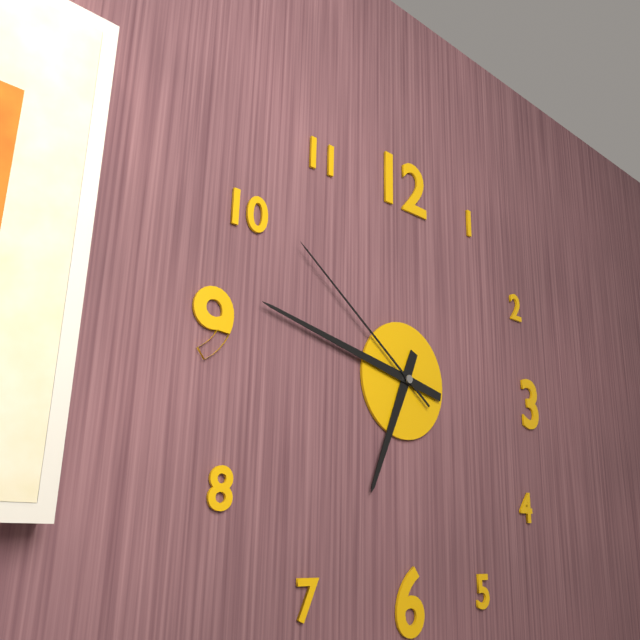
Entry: 6h47m51s
